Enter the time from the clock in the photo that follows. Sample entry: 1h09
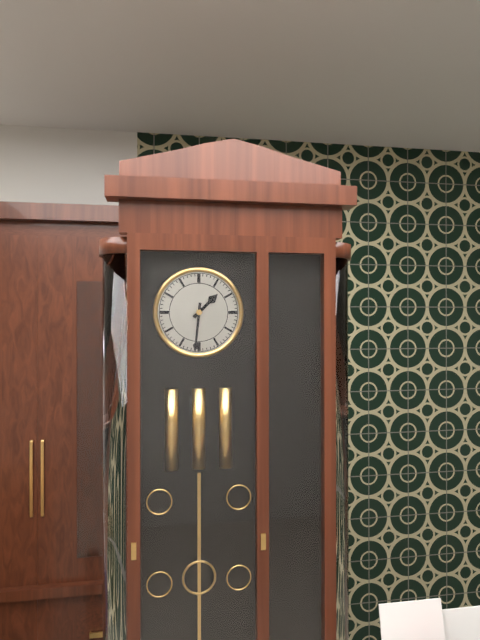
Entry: 1h31
